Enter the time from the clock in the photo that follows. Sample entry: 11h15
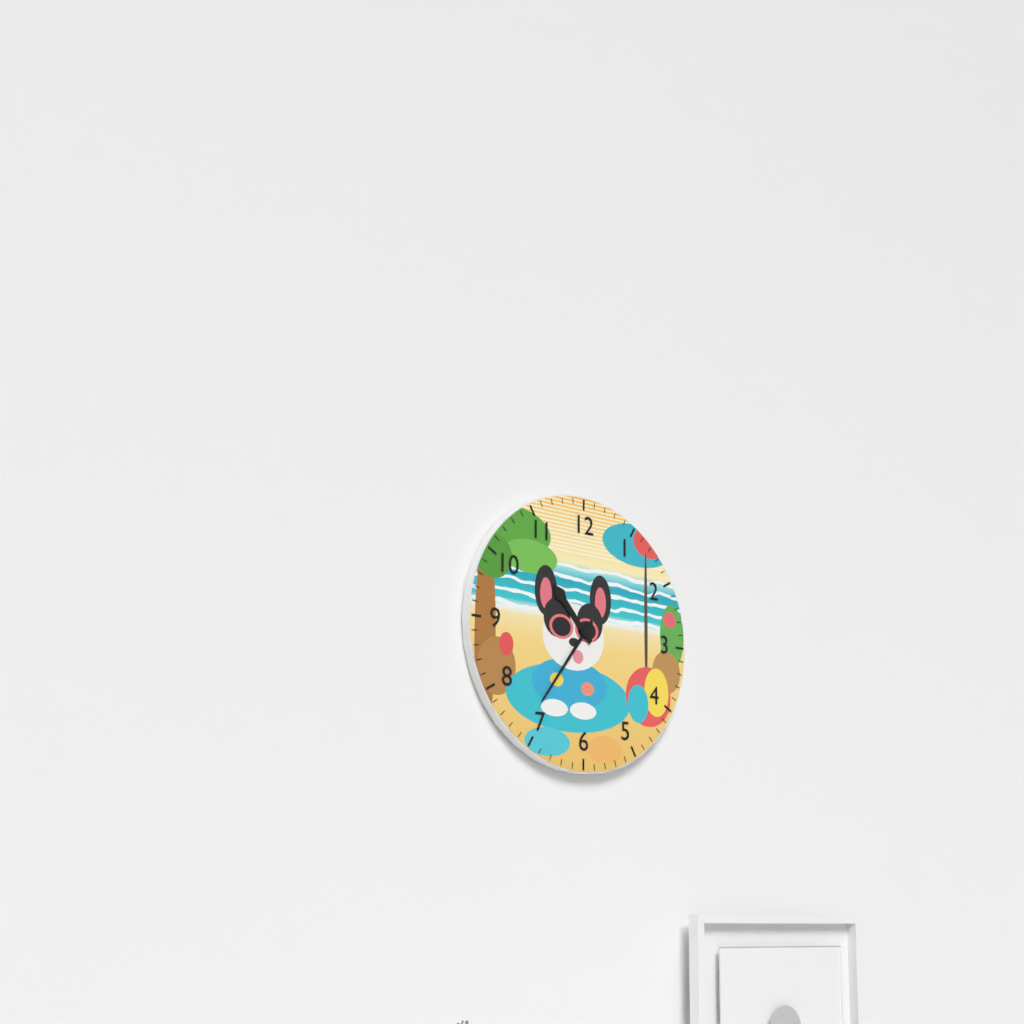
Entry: 10h36
